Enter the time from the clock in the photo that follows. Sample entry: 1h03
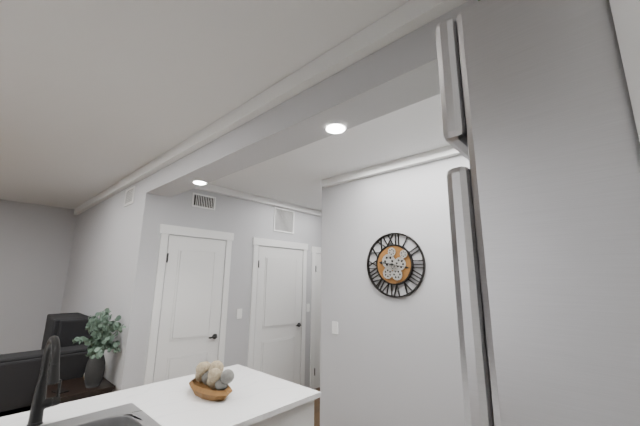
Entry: 9h17
